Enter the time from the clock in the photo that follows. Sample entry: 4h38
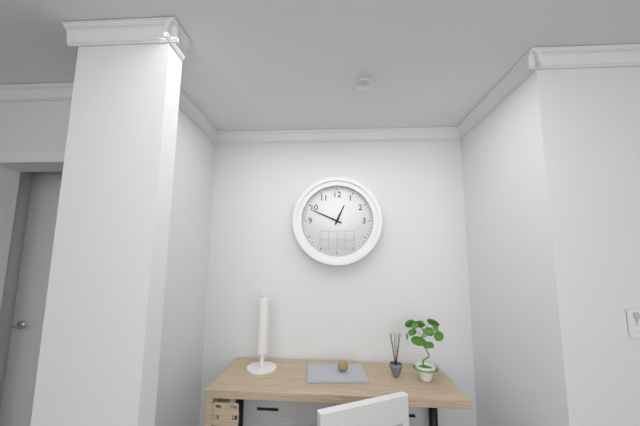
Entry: 12h49
